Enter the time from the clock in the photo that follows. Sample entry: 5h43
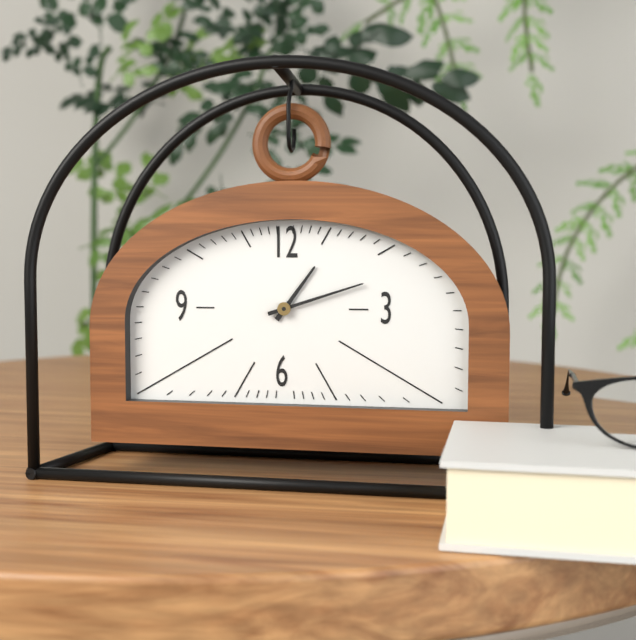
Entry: 1h12
